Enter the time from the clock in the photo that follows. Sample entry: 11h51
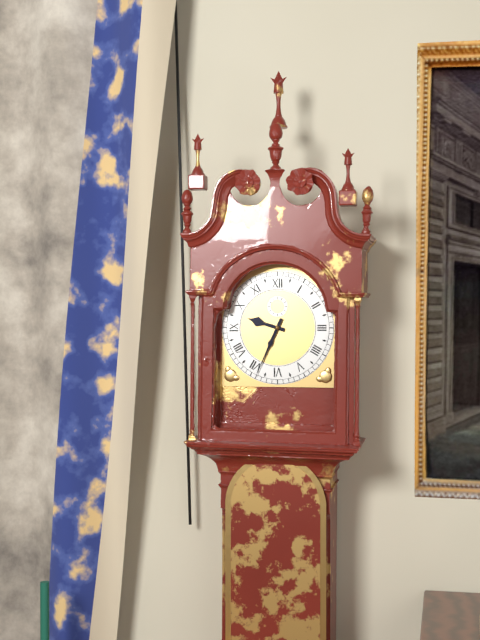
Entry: 9h34
